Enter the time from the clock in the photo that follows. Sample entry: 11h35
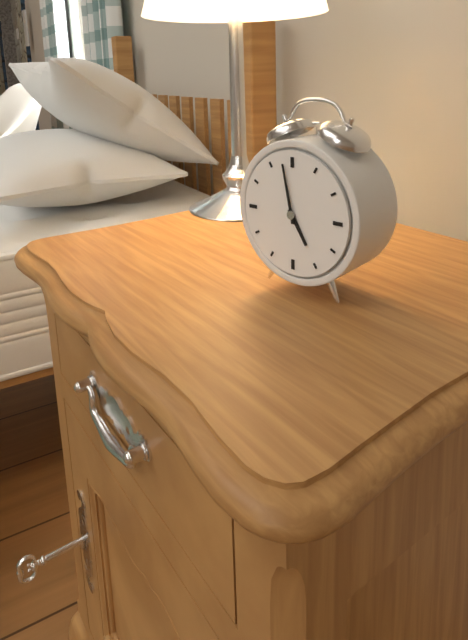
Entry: 4h58
